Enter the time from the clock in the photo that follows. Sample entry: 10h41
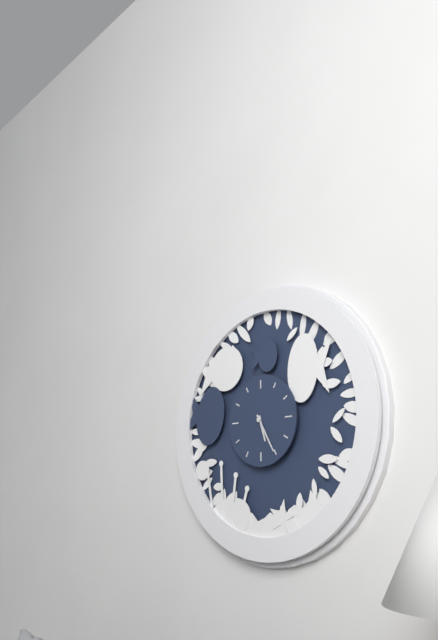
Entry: 5h25
